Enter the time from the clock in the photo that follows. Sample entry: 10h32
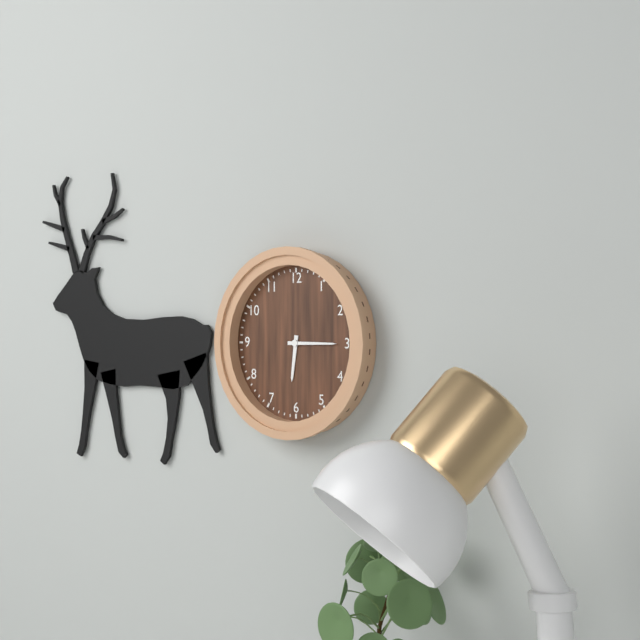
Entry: 6h15
